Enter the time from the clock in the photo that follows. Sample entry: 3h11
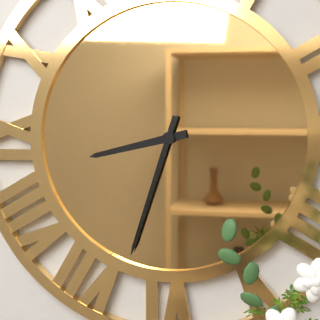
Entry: 8h33
